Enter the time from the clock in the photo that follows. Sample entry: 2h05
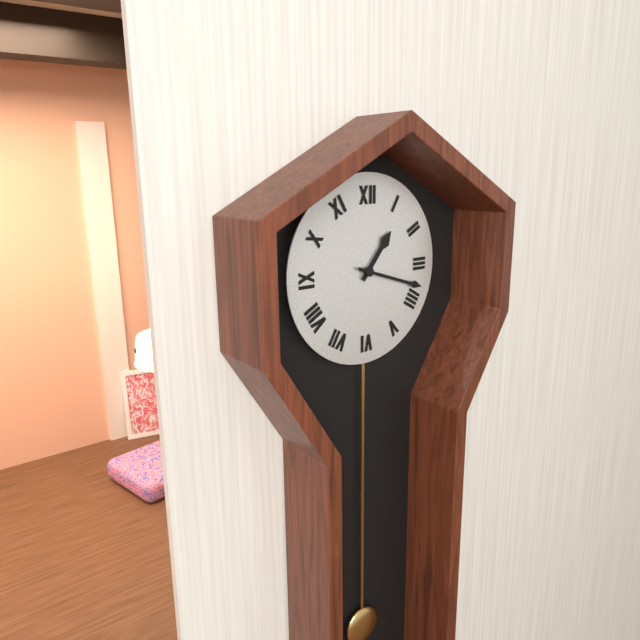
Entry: 1h18
